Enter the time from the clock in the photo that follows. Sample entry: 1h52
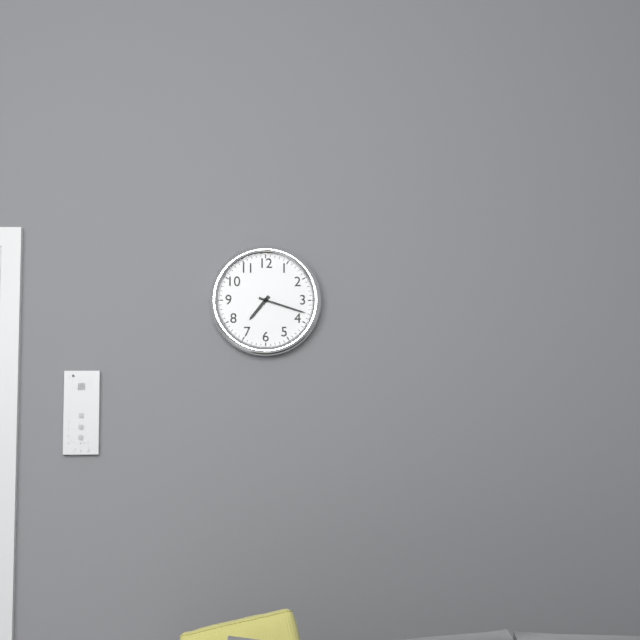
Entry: 7h18
